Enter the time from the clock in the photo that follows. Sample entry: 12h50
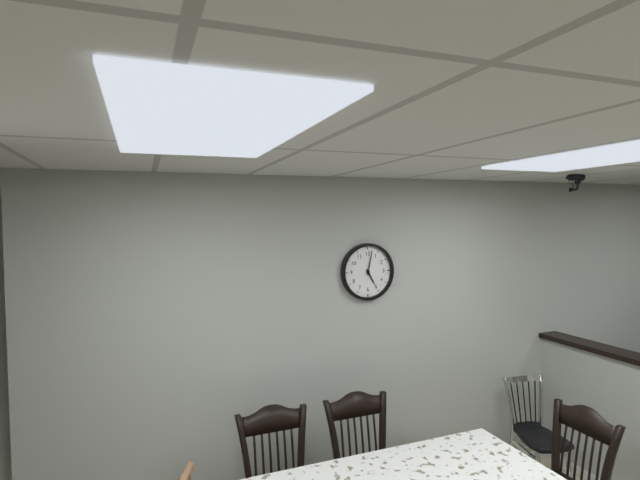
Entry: 5h02
